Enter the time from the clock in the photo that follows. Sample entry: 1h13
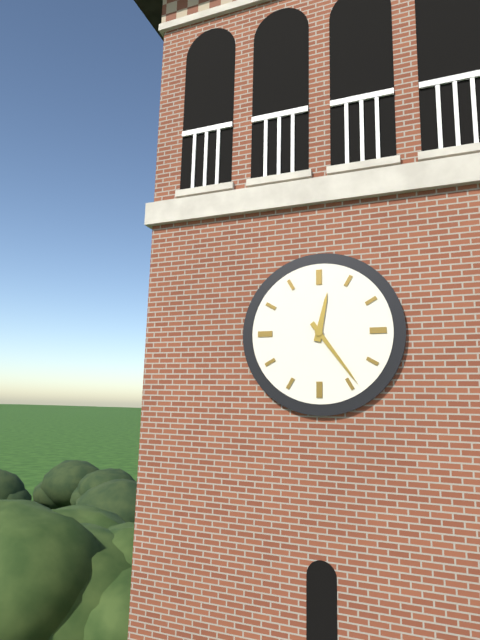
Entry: 12h24
